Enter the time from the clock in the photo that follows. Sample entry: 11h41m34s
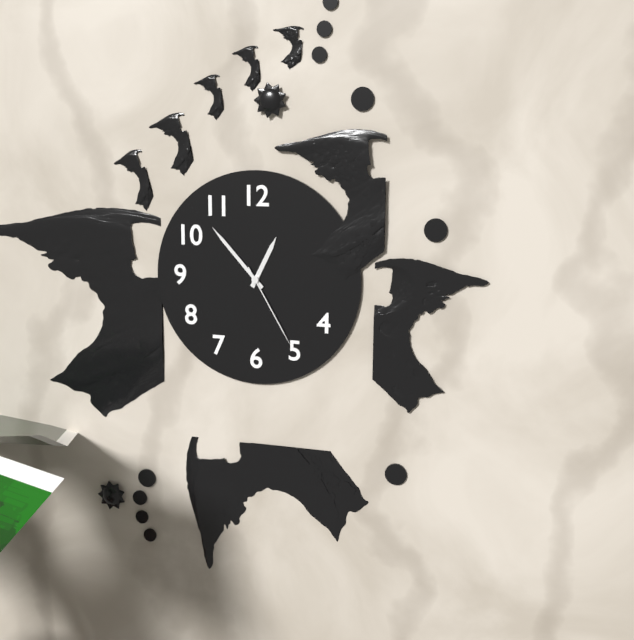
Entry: 12h53m25s
